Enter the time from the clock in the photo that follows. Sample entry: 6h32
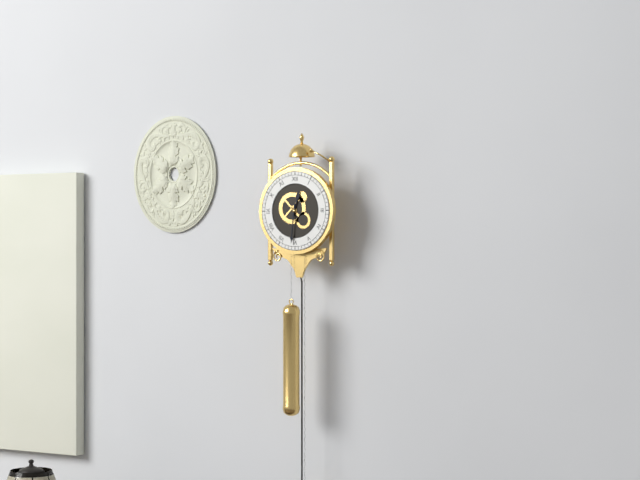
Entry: 12h31
